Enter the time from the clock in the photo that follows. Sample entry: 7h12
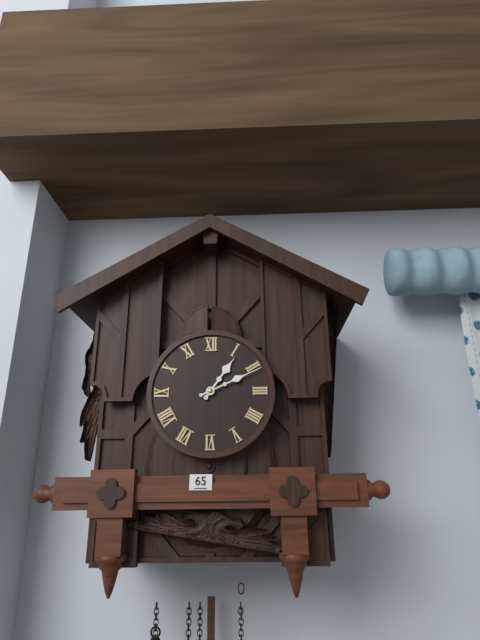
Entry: 1h11
